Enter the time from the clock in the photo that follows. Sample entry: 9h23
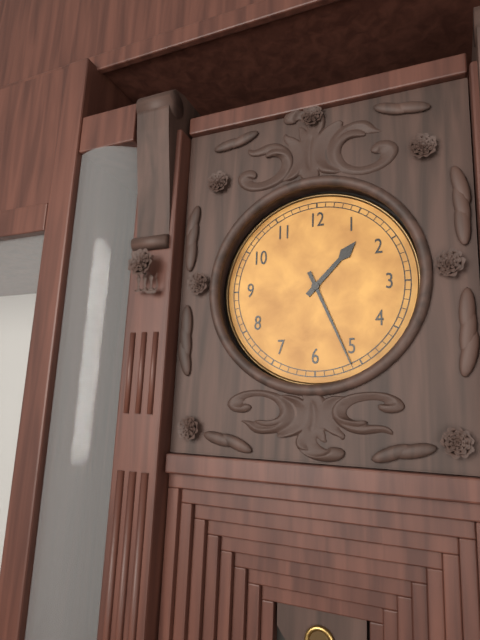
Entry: 1h26
